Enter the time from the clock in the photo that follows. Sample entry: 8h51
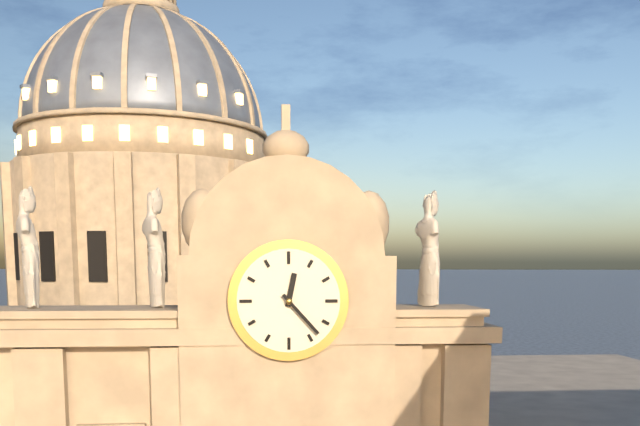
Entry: 12h23
